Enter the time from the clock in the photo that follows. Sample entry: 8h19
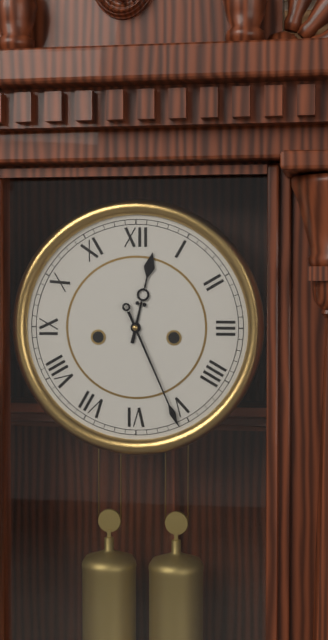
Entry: 12h26
